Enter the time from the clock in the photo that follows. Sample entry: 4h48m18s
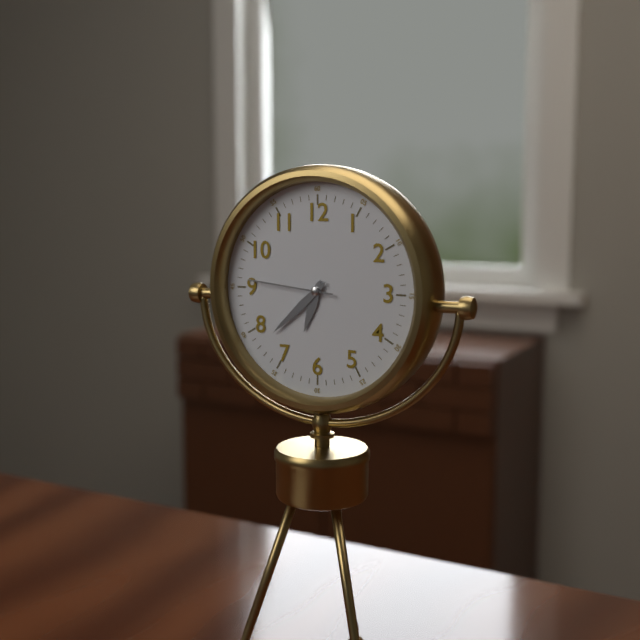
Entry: 6h38m46s
